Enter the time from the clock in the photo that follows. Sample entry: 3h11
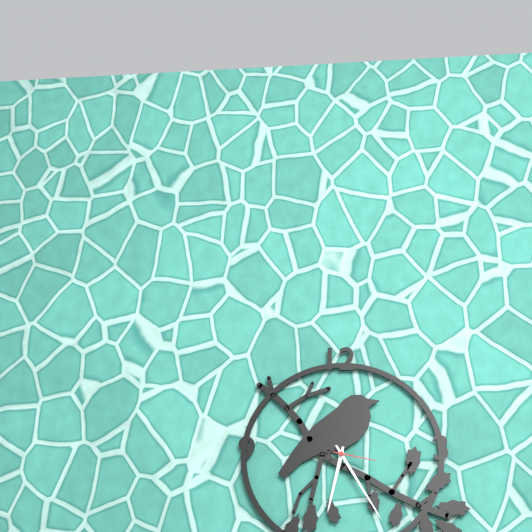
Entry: 6h25
